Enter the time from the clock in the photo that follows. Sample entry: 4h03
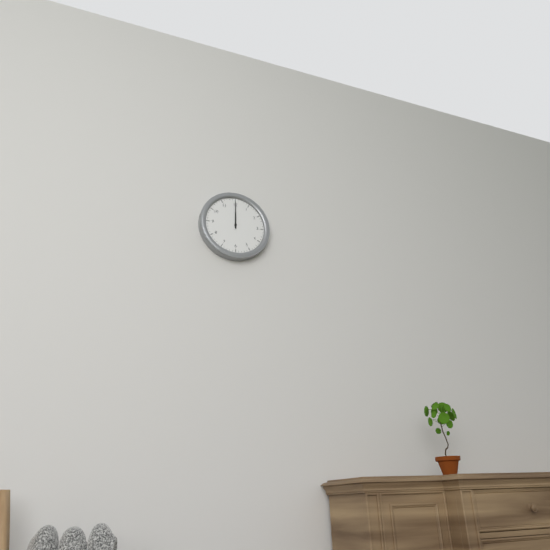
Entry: 12h00
